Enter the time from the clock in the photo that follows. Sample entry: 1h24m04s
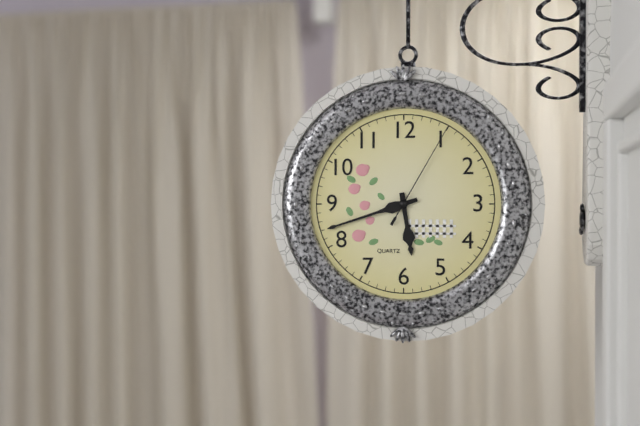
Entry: 5h42m05s
